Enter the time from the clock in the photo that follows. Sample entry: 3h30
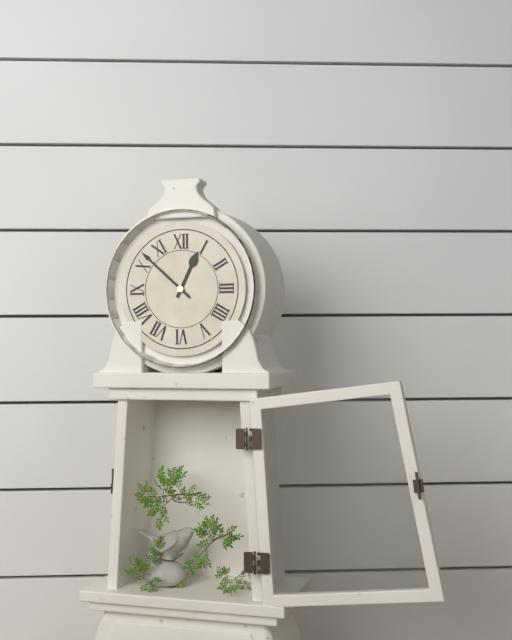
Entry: 12h52
